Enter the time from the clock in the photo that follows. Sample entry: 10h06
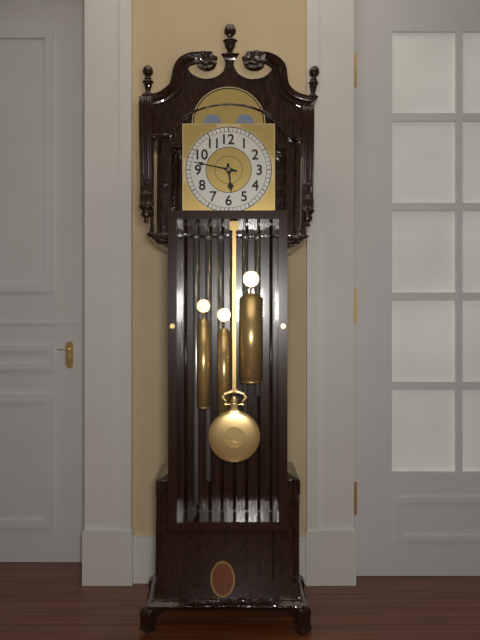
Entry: 5h47
